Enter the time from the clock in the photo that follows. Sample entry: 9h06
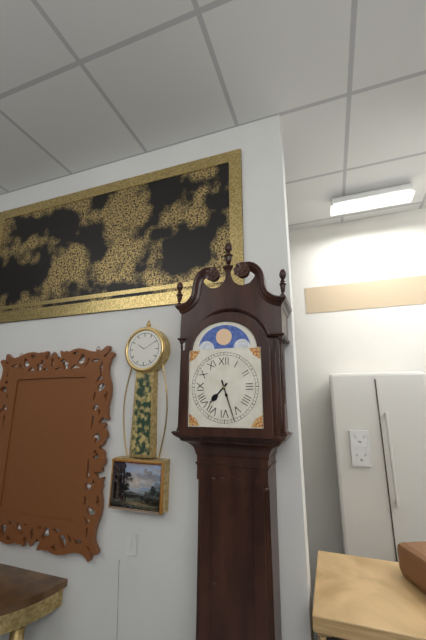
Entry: 7h27
